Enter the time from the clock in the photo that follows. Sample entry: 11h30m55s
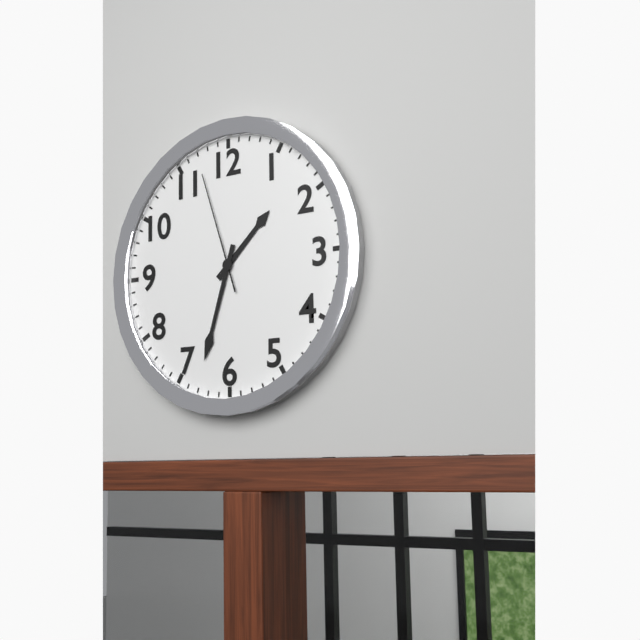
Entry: 1h33m57s
